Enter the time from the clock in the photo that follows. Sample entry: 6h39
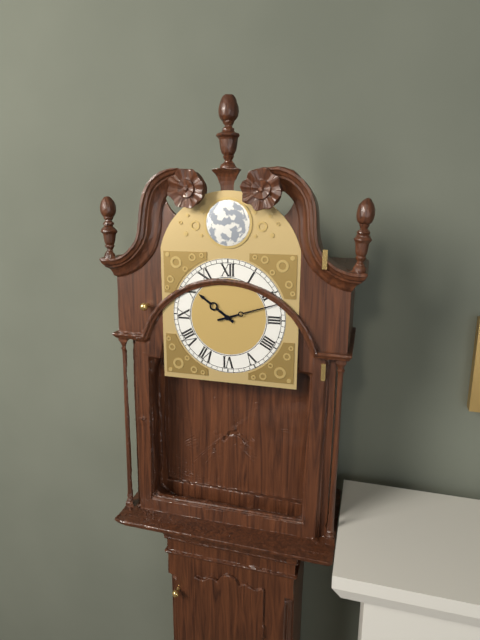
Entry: 10h12
